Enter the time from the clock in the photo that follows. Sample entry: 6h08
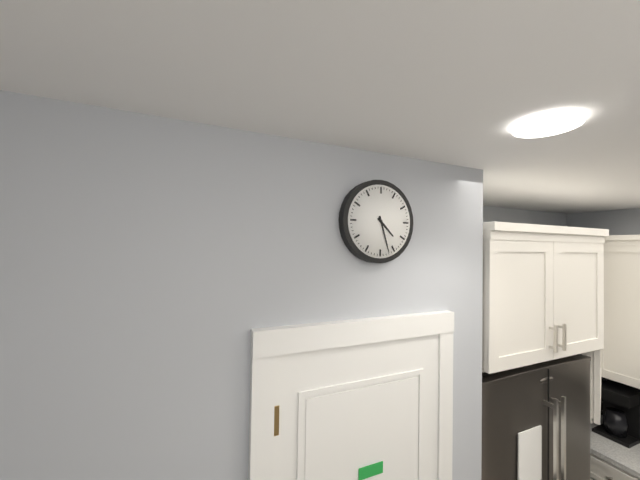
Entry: 4h27
